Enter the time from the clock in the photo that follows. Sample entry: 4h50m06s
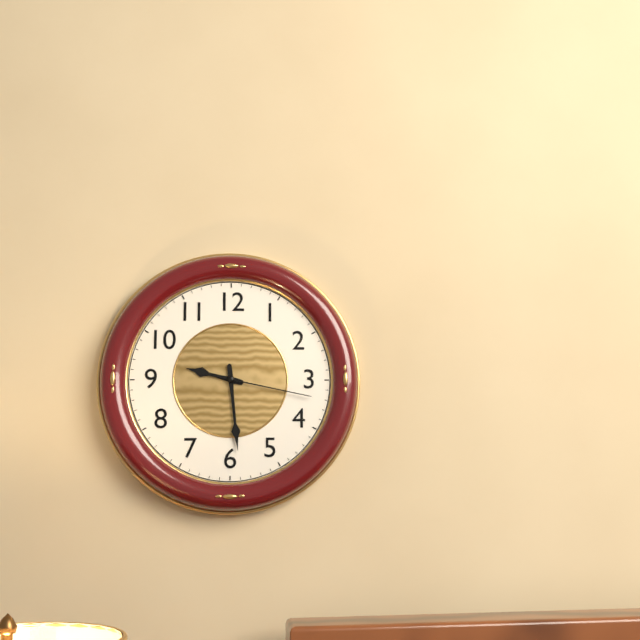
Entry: 9h29m17s
